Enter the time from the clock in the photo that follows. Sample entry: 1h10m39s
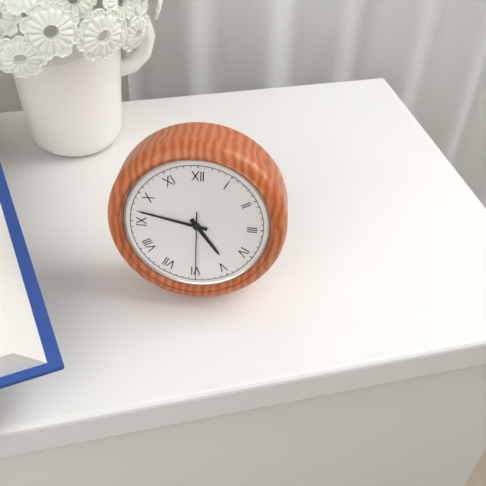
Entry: 4h47m30s
